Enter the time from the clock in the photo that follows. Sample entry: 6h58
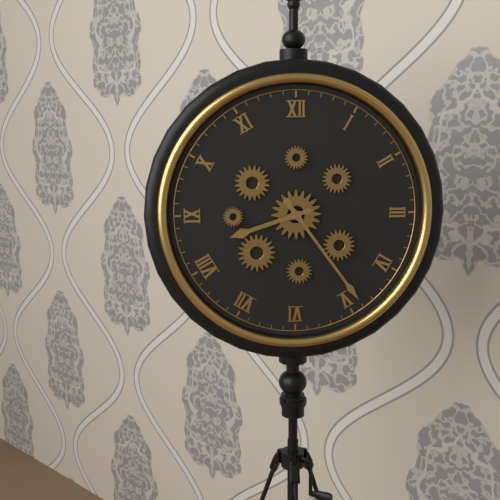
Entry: 8h24
